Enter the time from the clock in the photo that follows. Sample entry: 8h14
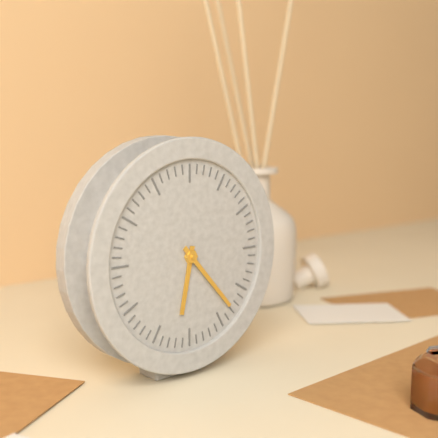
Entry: 6h23
